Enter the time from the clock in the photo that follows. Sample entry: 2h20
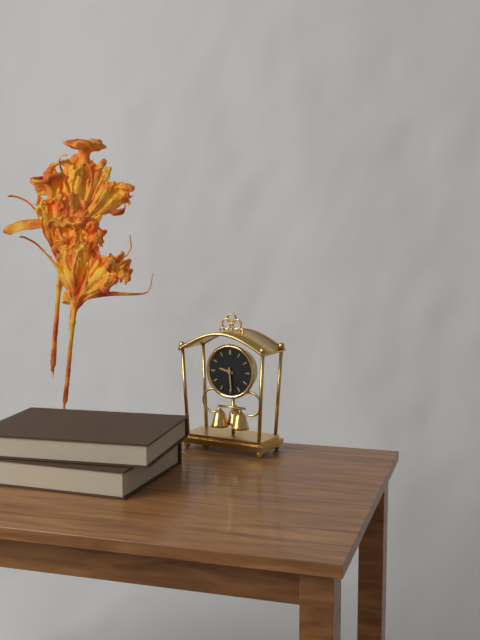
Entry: 9h29
